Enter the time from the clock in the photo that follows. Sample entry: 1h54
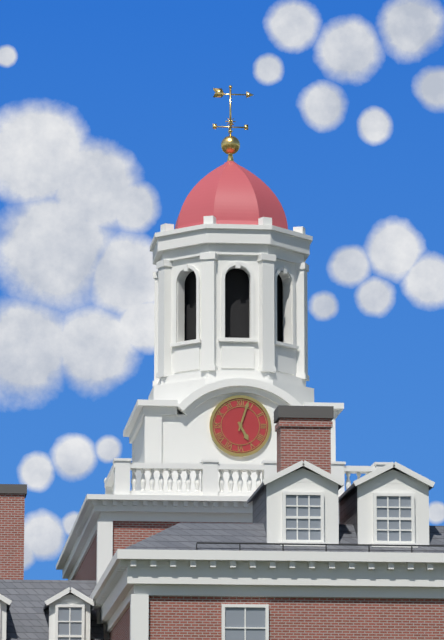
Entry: 5h03
